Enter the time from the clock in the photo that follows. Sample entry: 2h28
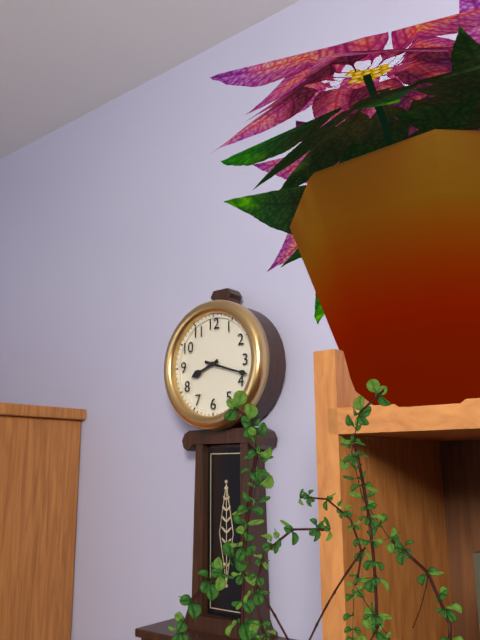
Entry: 8h18
